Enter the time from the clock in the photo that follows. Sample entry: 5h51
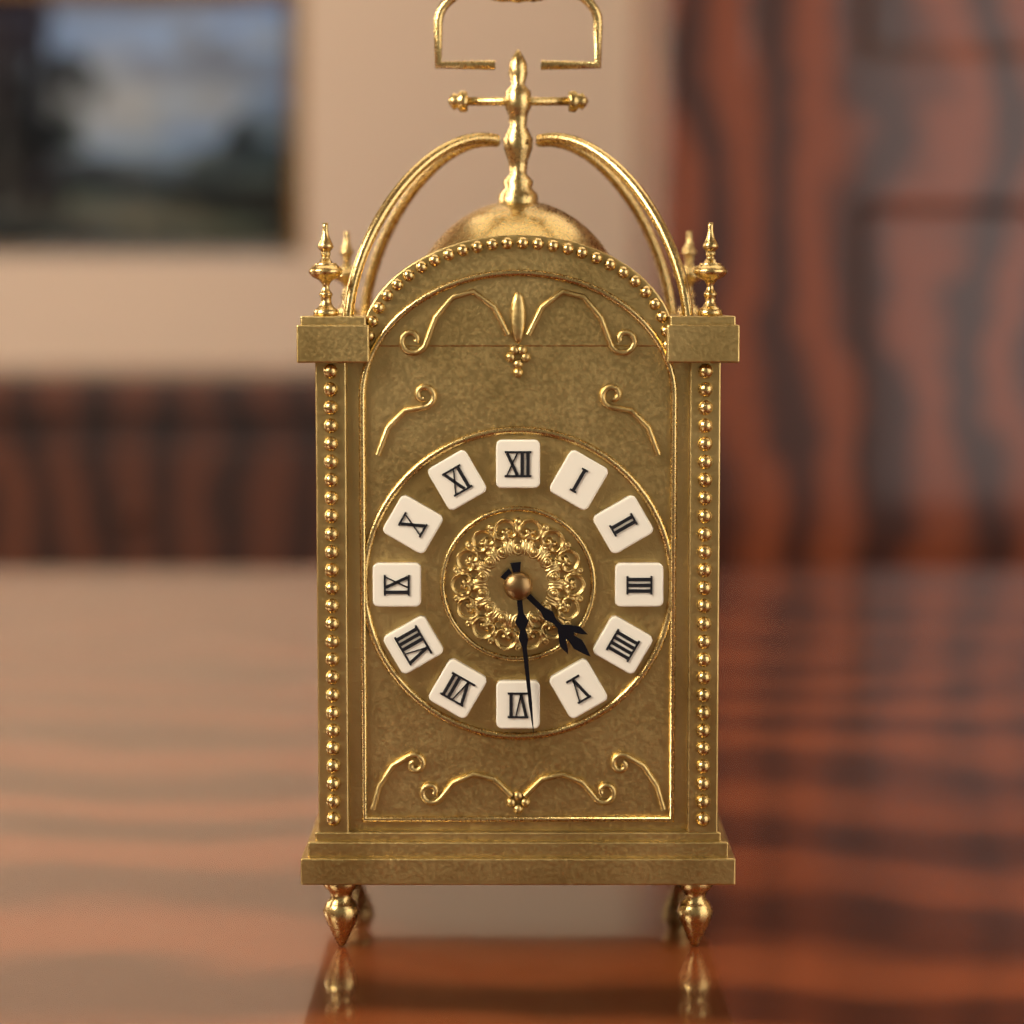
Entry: 4h29
